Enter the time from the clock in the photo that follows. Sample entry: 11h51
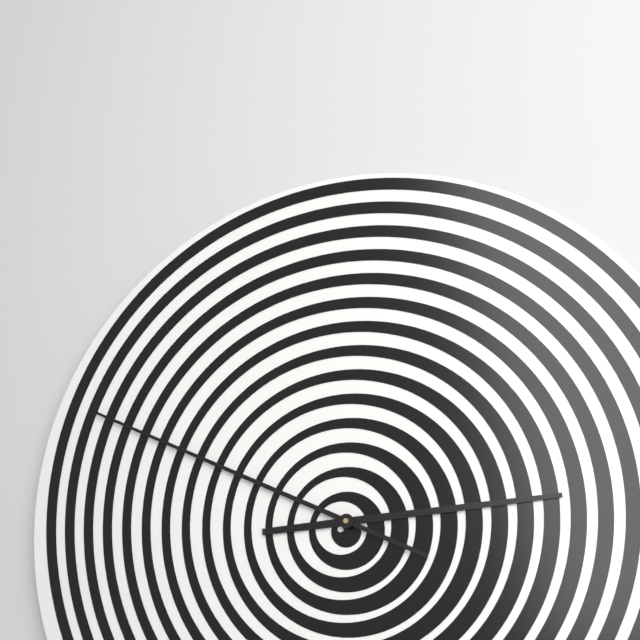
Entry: 2h49
